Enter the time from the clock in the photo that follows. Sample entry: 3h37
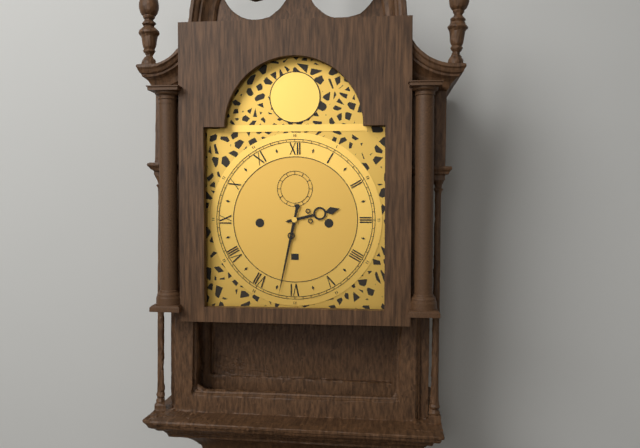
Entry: 2h32
